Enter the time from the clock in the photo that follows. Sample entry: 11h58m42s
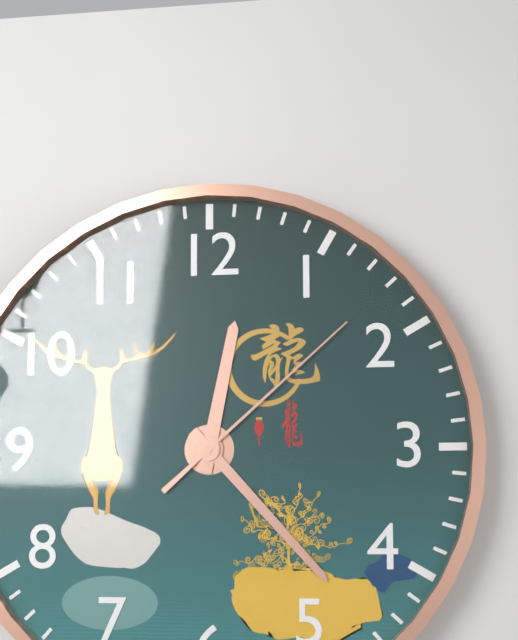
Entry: 12h23m08s
